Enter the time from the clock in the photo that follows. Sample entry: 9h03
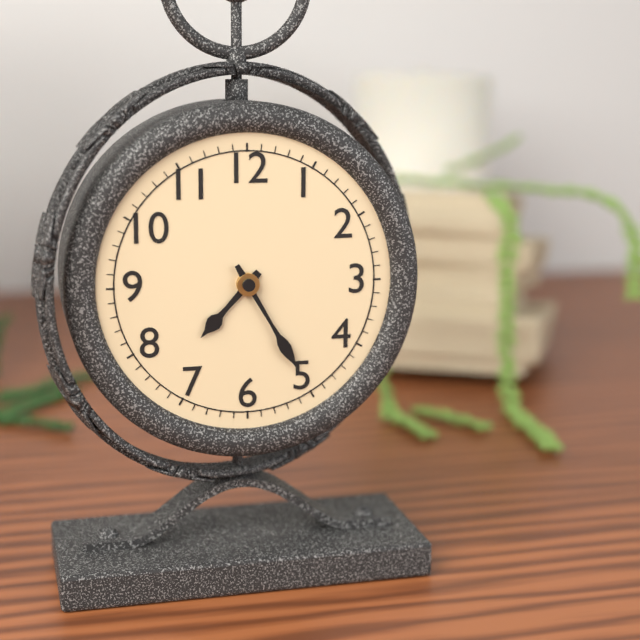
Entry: 7h25
